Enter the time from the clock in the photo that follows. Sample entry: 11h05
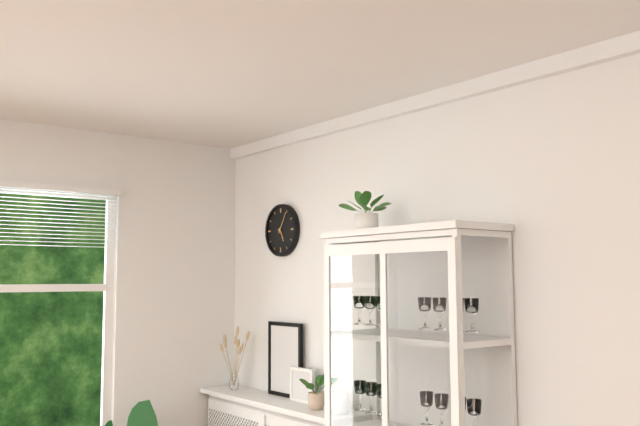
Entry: 5h05
